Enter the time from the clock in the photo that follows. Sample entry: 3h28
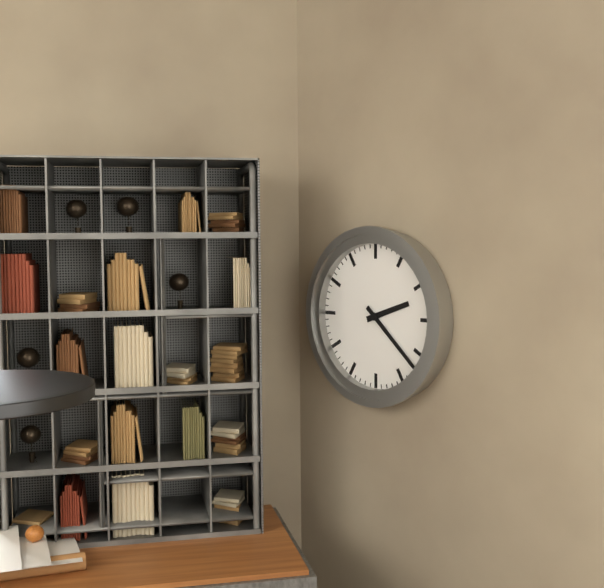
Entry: 2h22
